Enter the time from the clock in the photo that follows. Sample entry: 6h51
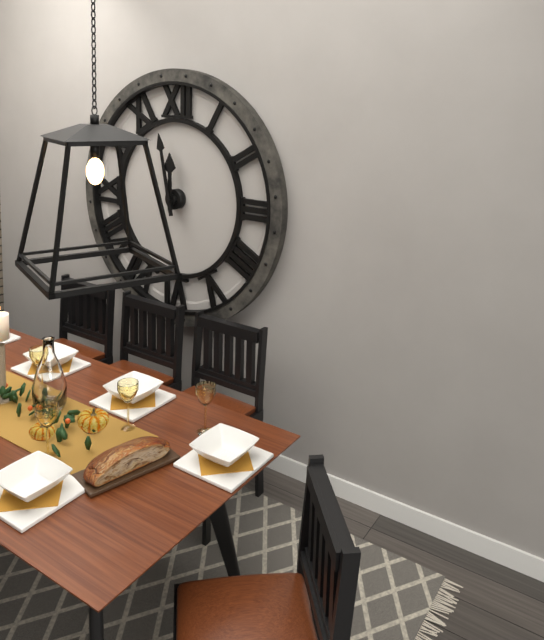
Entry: 11h58
